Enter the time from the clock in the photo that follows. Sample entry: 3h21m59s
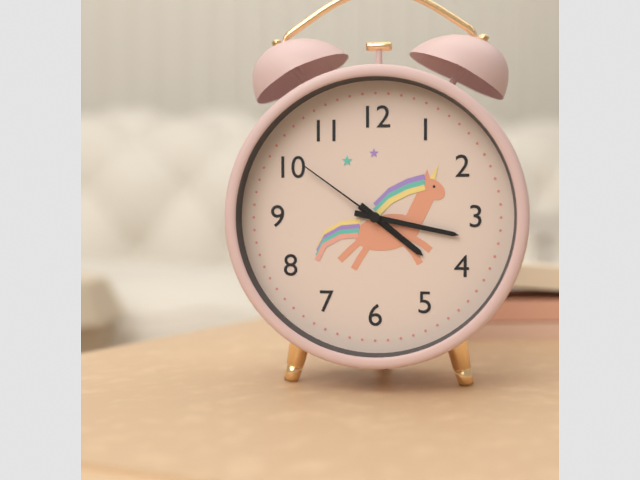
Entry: 4h17m51s
